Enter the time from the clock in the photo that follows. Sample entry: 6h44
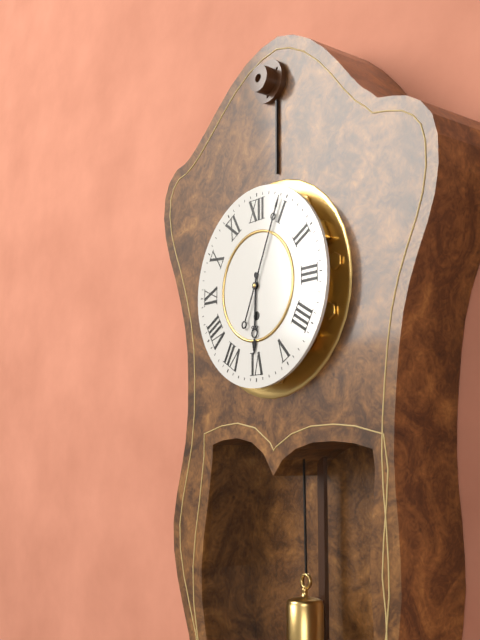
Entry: 6h04
